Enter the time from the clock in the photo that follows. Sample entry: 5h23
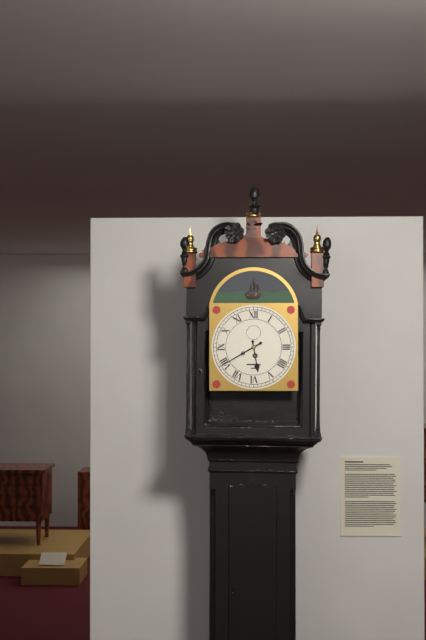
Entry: 5h40
